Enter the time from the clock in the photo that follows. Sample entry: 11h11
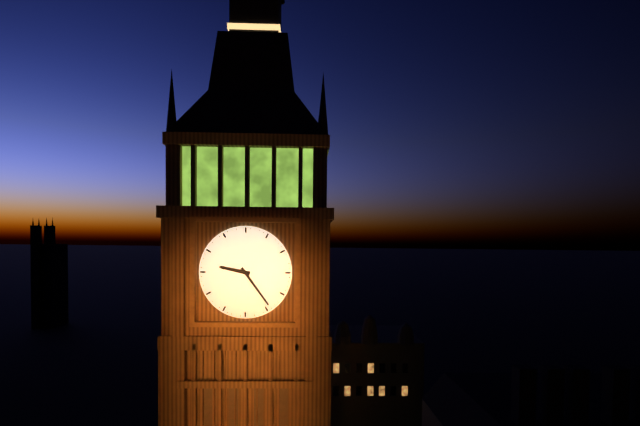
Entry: 9h24
